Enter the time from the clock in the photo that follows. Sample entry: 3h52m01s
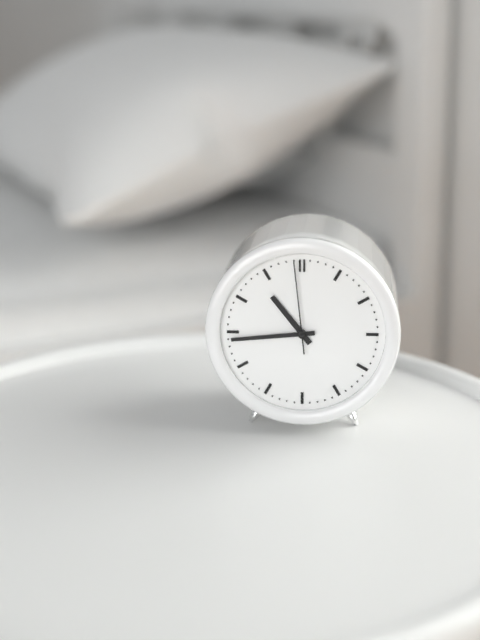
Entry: 10h44m59s
